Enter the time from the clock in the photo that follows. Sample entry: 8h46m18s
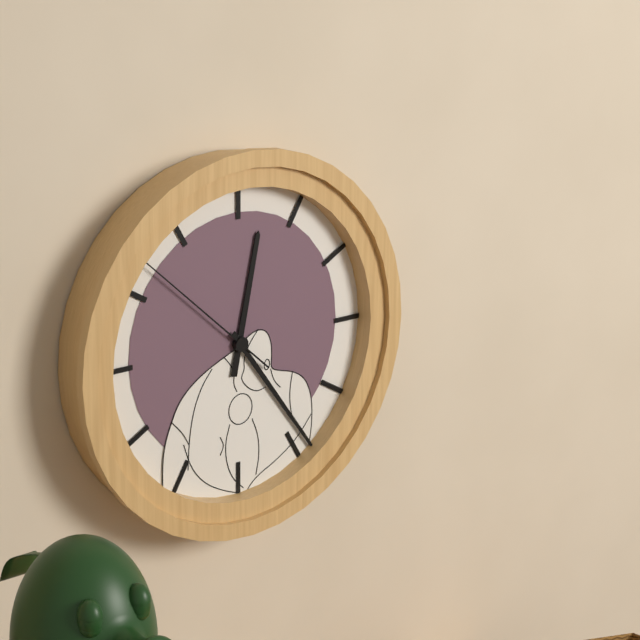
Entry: 12h24m52s
